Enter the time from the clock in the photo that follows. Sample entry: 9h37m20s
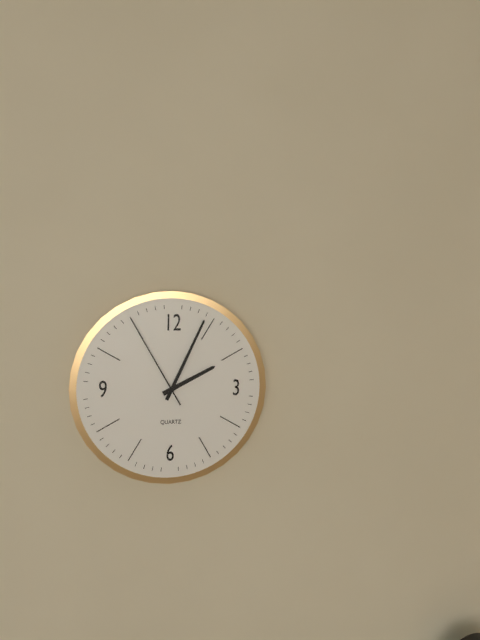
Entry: 2h04m55s
